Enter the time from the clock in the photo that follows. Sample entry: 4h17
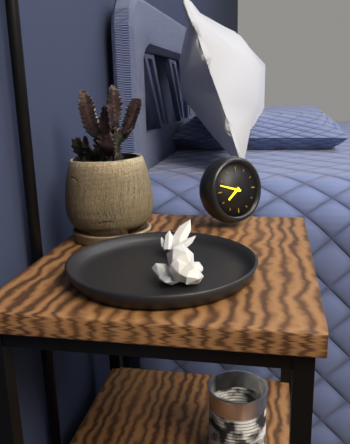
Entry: 7h48
